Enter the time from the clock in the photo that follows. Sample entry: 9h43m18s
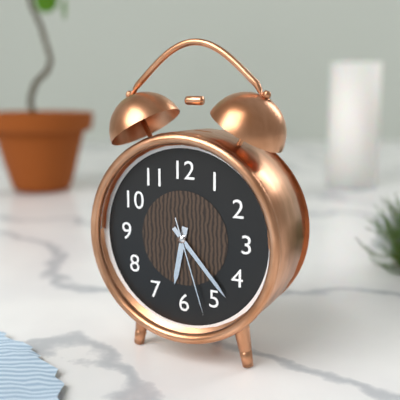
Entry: 6h23m27s
